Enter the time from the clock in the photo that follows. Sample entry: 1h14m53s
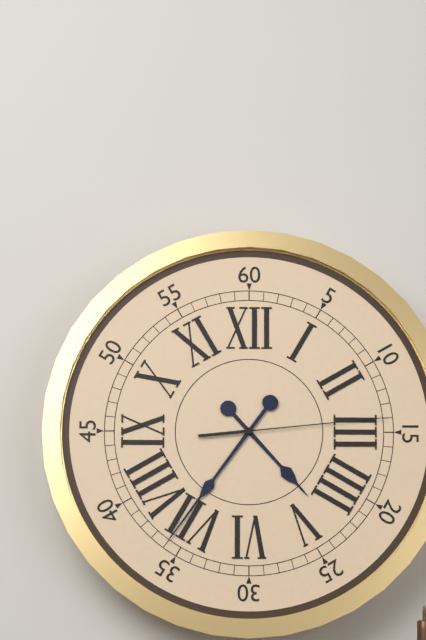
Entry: 4h36m14s
